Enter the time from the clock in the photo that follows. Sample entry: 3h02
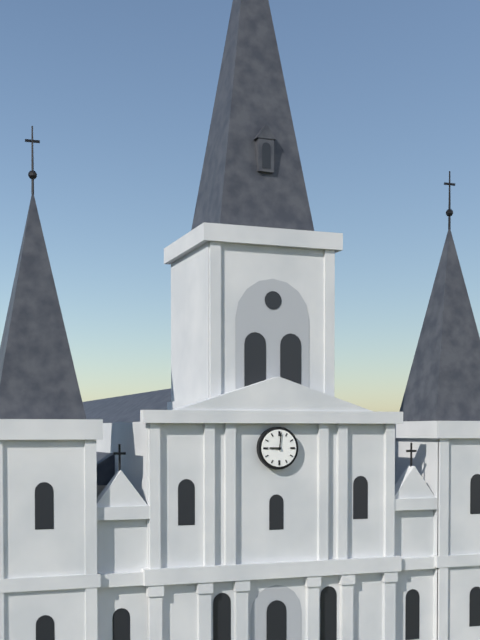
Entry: 9h01
